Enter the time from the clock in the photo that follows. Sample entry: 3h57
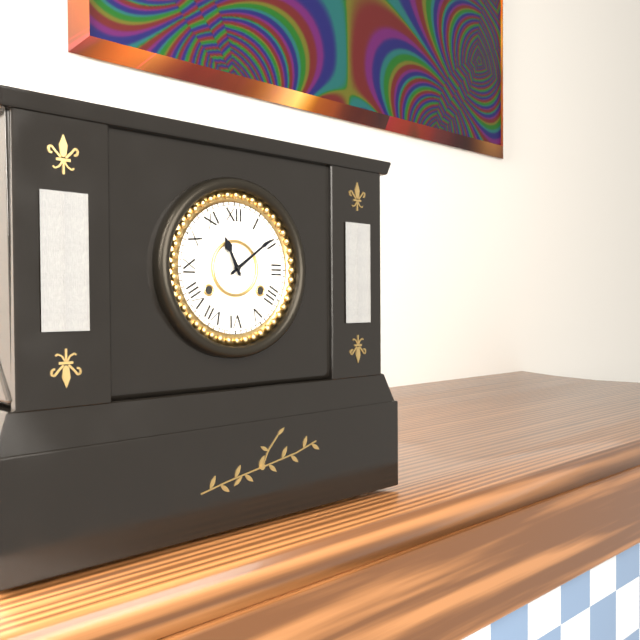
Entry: 11h09
